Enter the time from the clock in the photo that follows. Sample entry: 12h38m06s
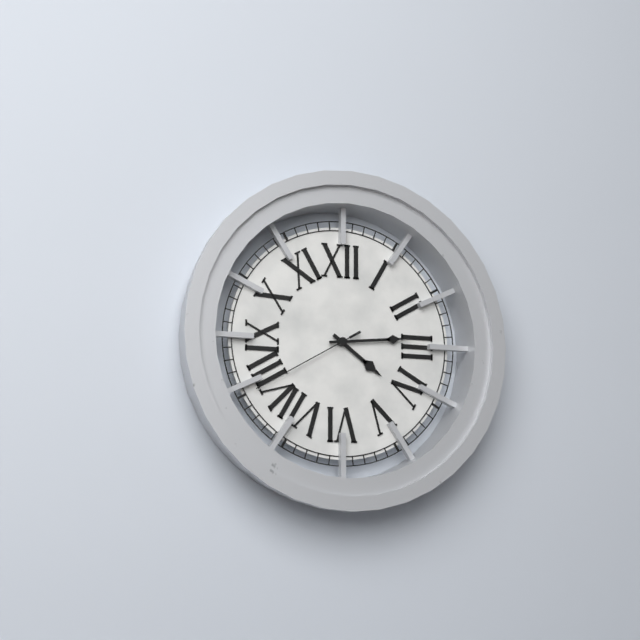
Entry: 4h14m40s
